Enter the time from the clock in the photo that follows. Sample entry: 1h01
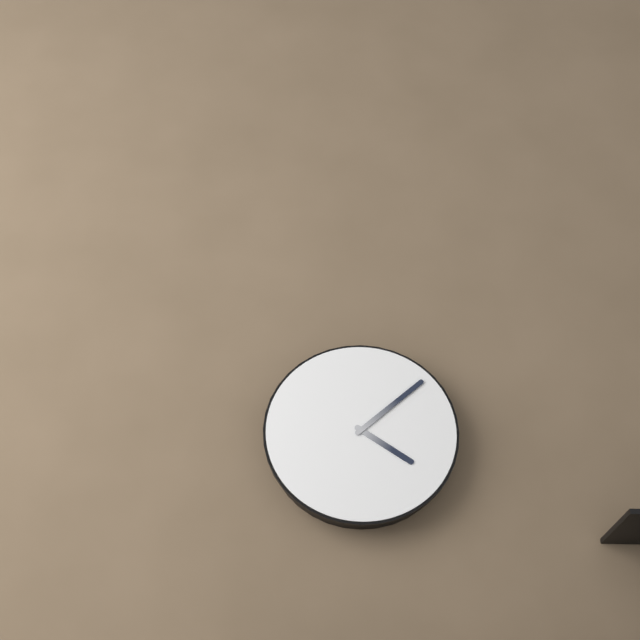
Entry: 4h08
